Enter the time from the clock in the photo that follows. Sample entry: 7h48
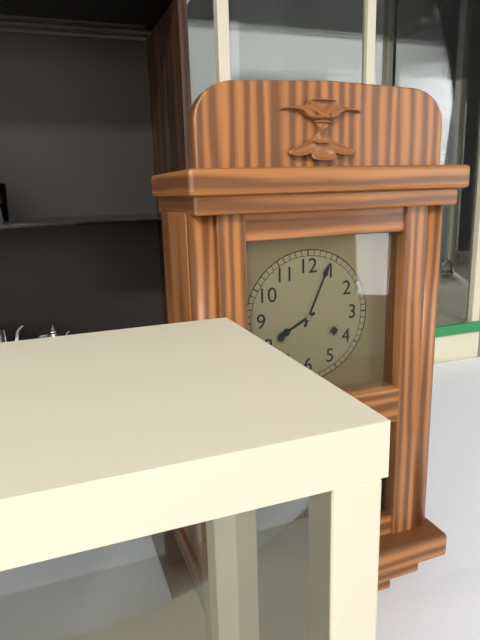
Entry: 8h04
